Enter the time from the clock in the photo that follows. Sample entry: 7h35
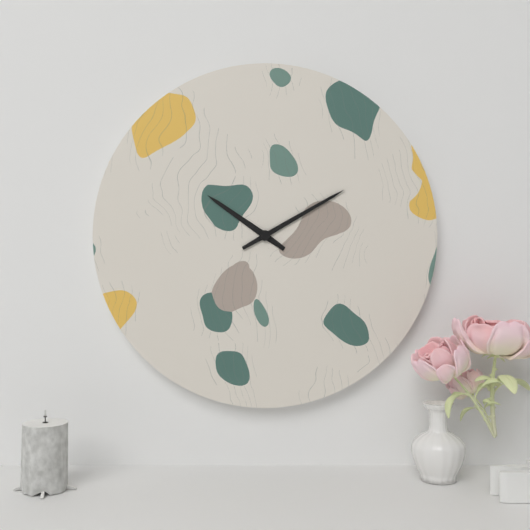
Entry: 10h10
